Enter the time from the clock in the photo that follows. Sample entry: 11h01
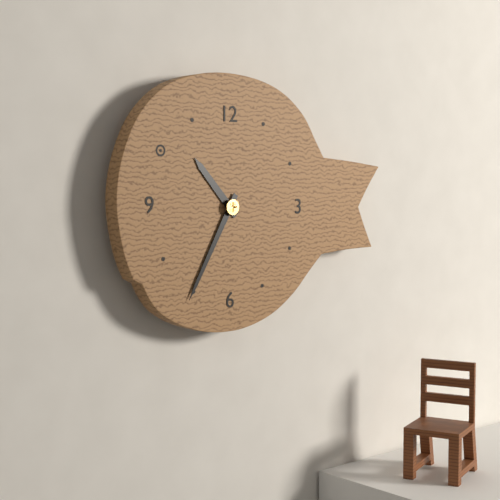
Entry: 10h35
